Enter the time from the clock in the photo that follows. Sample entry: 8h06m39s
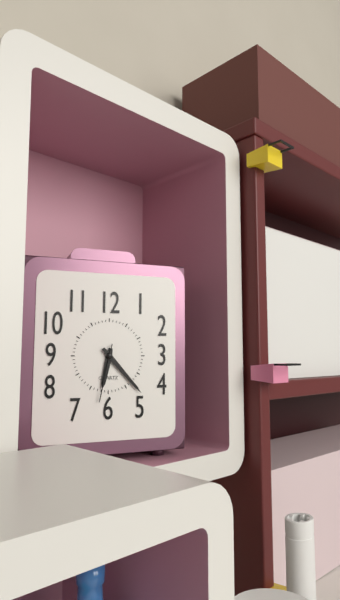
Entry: 6h23m32s
